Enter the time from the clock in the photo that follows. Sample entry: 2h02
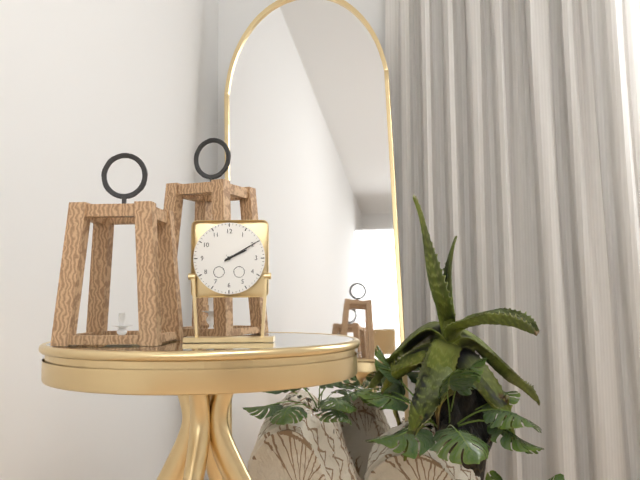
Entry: 2h10
